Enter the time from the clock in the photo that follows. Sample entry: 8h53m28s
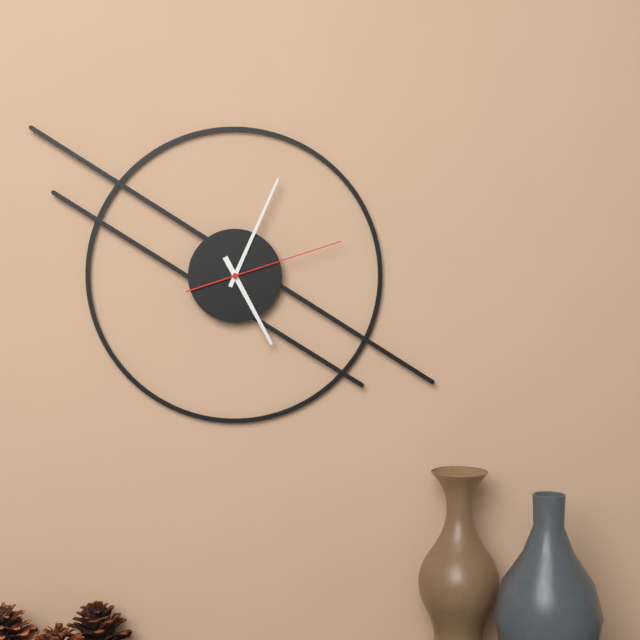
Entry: 5h04m12s
